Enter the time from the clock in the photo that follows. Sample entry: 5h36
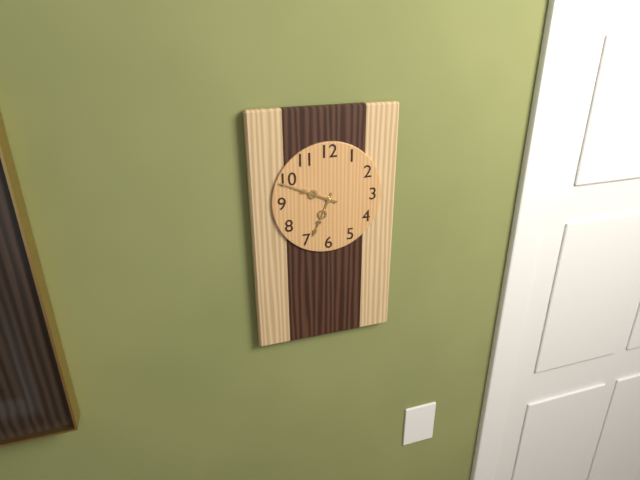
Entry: 6h49
